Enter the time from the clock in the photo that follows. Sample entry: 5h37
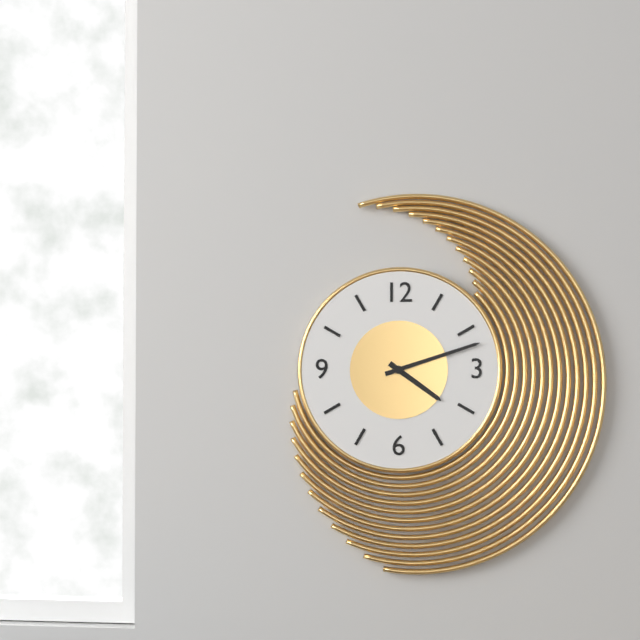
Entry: 4h12
